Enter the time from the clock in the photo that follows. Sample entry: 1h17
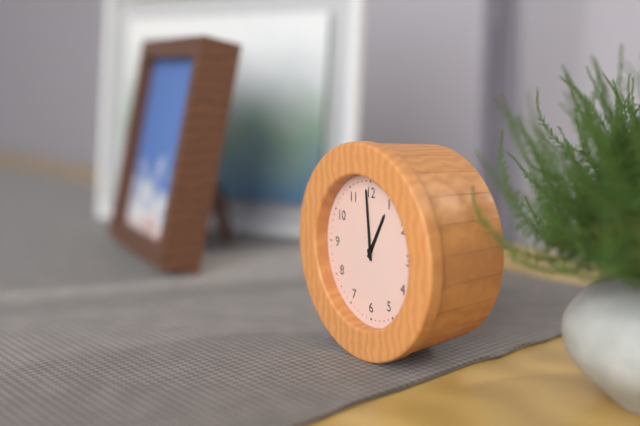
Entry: 12h59
